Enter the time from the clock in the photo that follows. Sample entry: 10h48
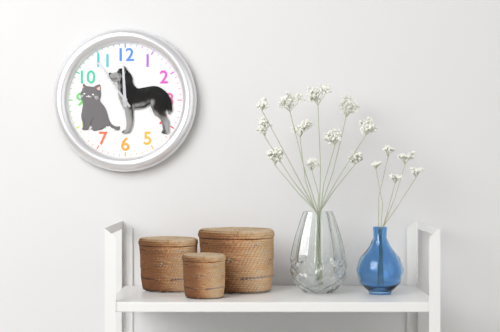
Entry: 11h54
